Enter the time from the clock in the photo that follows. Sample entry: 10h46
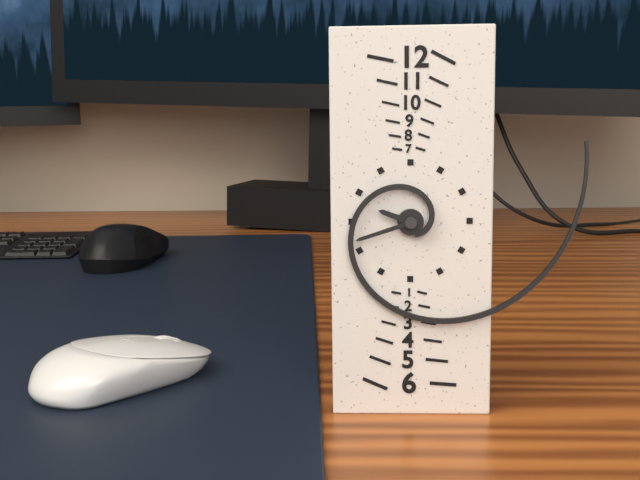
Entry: 9h42
